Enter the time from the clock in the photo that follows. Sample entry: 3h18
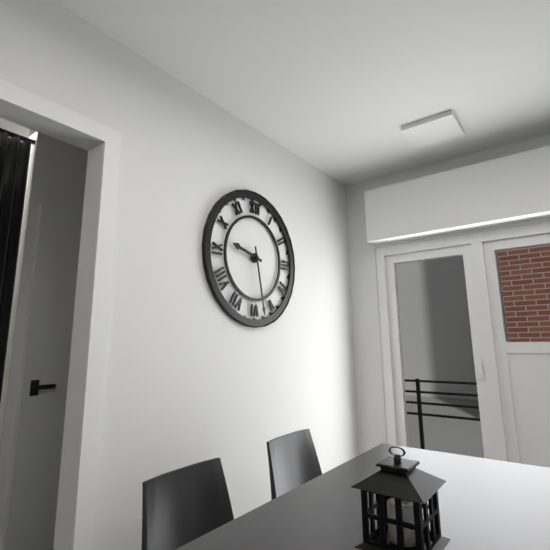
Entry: 9h28
